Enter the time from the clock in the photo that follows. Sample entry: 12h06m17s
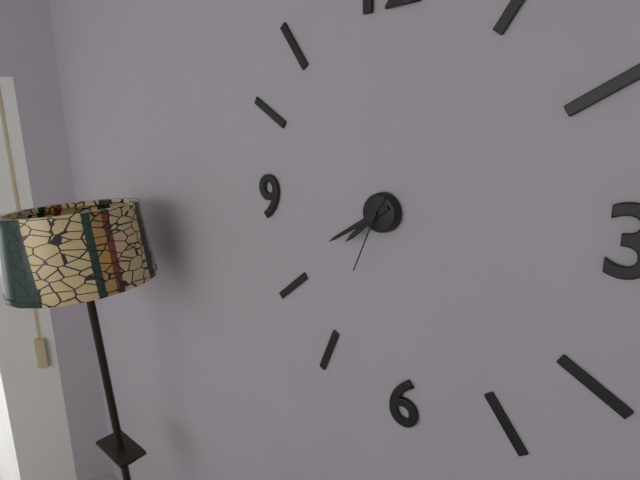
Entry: 7h40m34s
